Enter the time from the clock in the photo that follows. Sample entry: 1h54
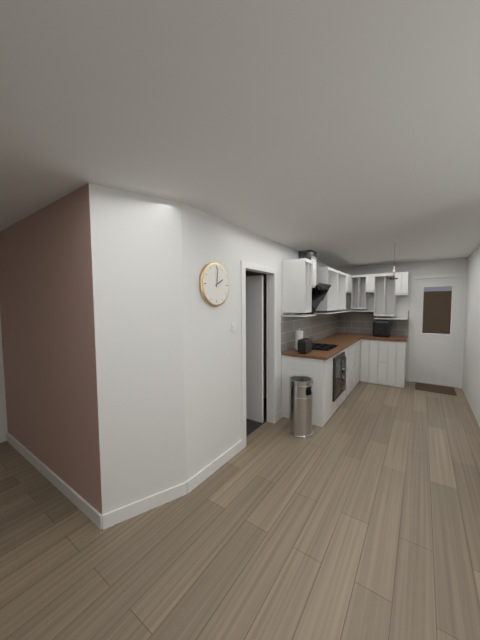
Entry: 2h01
